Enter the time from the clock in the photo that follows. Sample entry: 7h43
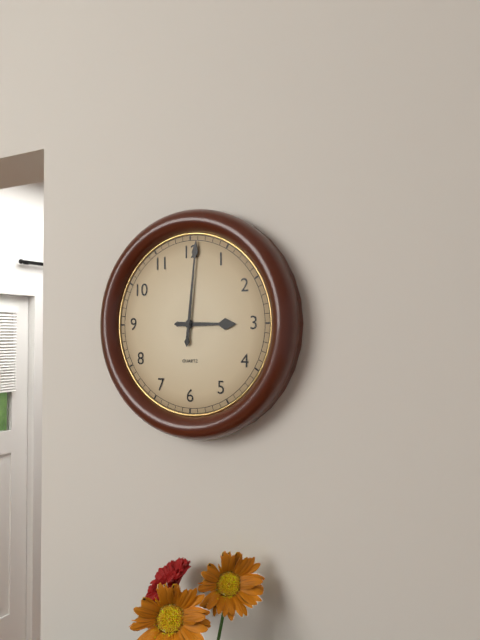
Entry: 3h01
